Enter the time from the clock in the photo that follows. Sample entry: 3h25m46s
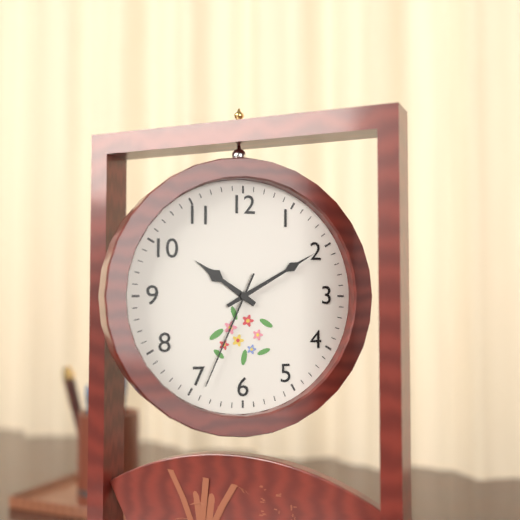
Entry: 10h10m34s
